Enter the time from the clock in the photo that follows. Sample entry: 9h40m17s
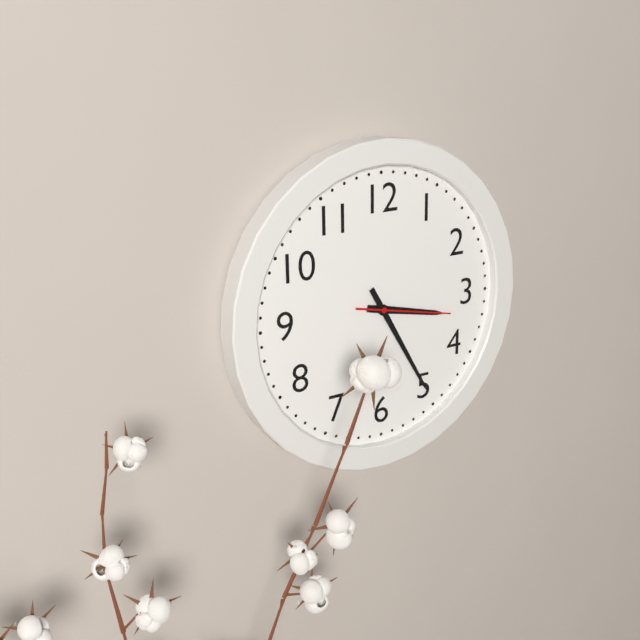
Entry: 3h25m17s
